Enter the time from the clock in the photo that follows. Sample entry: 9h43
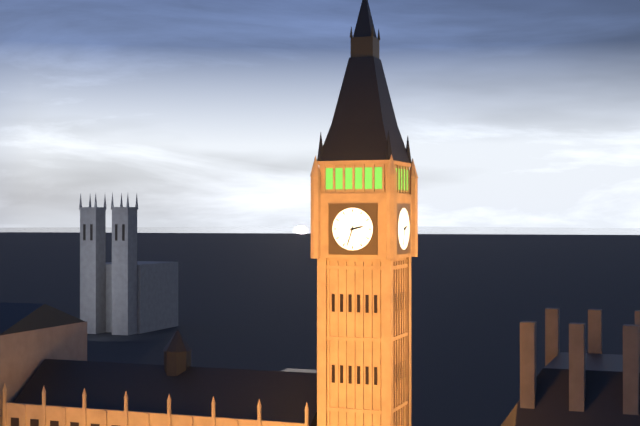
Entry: 2h33
